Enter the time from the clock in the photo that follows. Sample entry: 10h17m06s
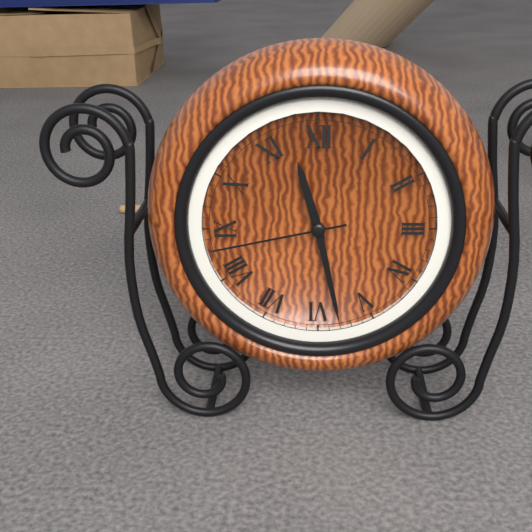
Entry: 11h28m43s
